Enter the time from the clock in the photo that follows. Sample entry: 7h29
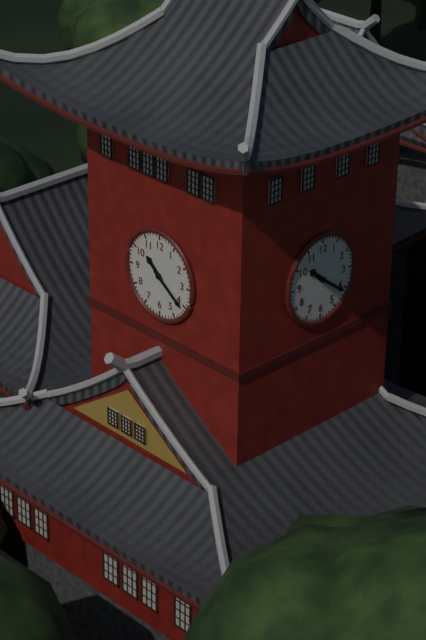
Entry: 10h21
